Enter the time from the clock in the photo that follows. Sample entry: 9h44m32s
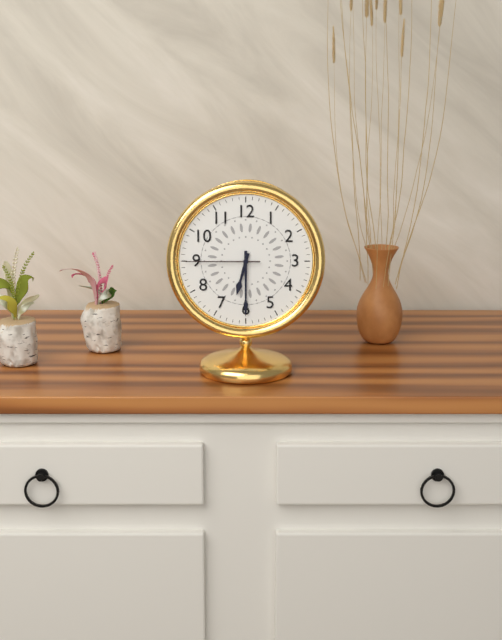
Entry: 6h30m45s
